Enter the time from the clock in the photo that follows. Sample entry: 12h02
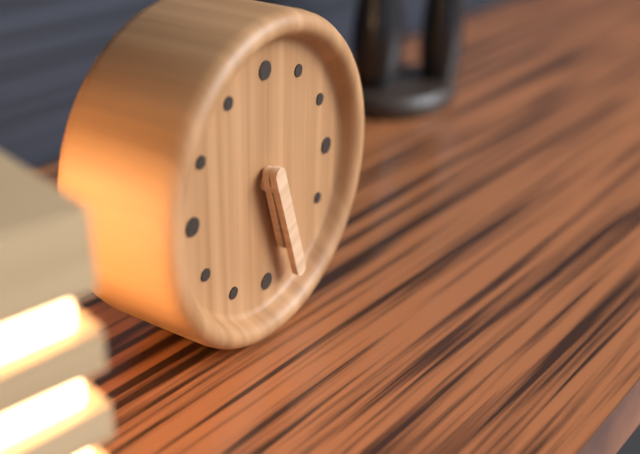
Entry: 5h27
